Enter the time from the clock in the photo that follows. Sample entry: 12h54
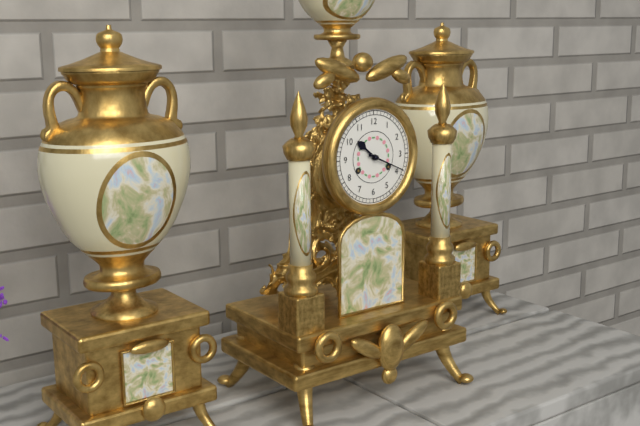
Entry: 10h19
